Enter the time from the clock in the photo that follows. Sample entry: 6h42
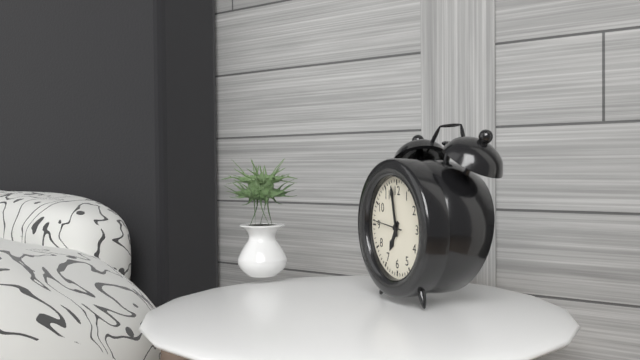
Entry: 6h58
